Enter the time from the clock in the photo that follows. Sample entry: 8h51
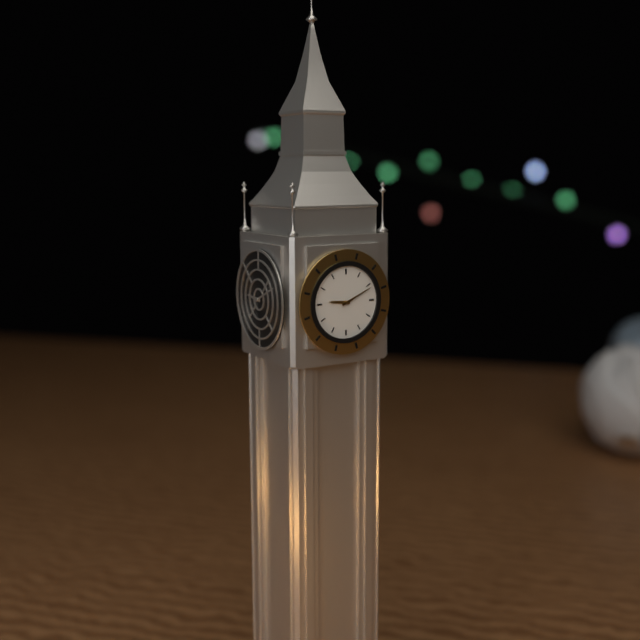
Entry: 9h11
